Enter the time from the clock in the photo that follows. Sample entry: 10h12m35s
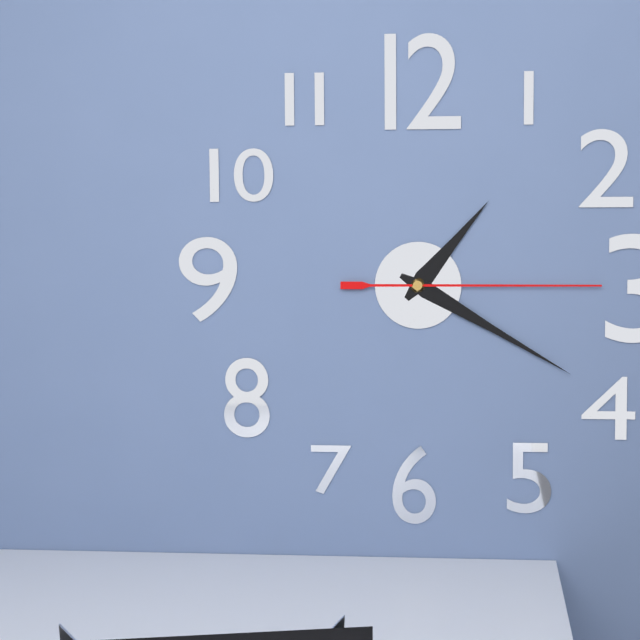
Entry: 1h20m15s
